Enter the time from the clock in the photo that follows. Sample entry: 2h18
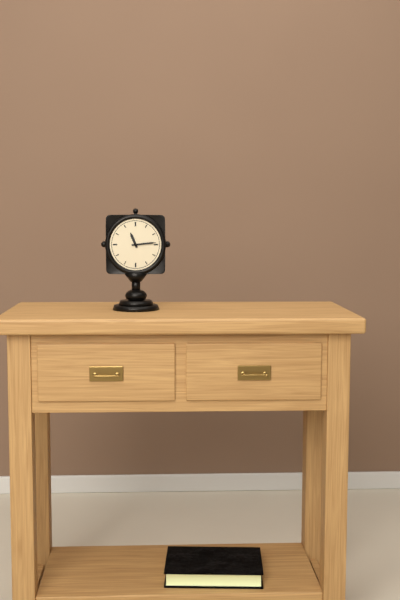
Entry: 11h14
